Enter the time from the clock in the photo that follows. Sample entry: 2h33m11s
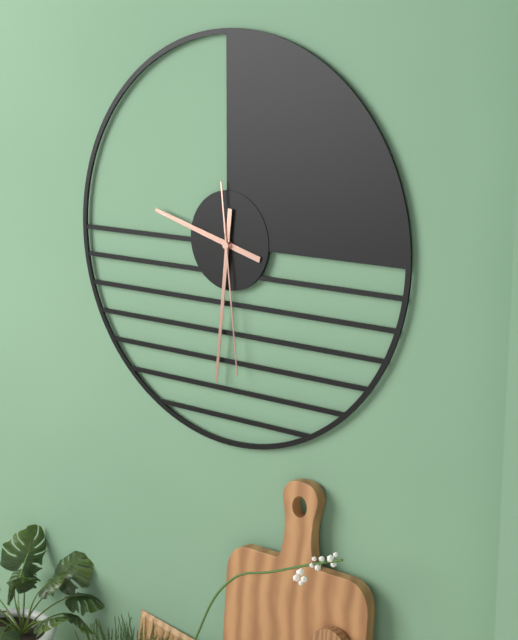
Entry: 9h31m29s
